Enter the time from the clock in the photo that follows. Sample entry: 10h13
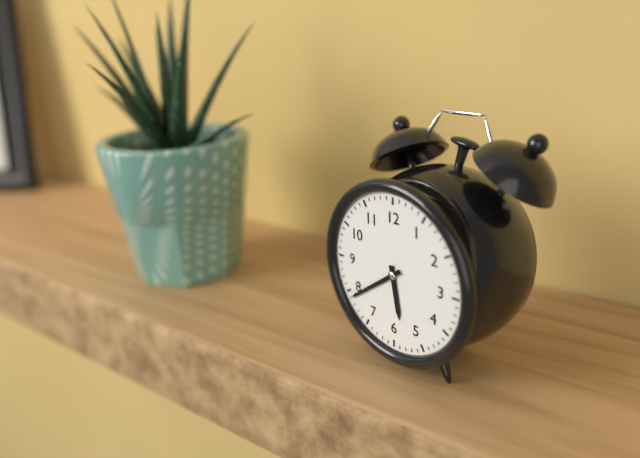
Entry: 5h39
